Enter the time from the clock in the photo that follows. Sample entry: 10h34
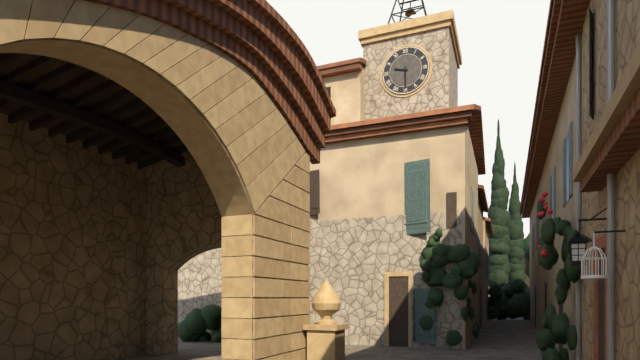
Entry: 9h30
